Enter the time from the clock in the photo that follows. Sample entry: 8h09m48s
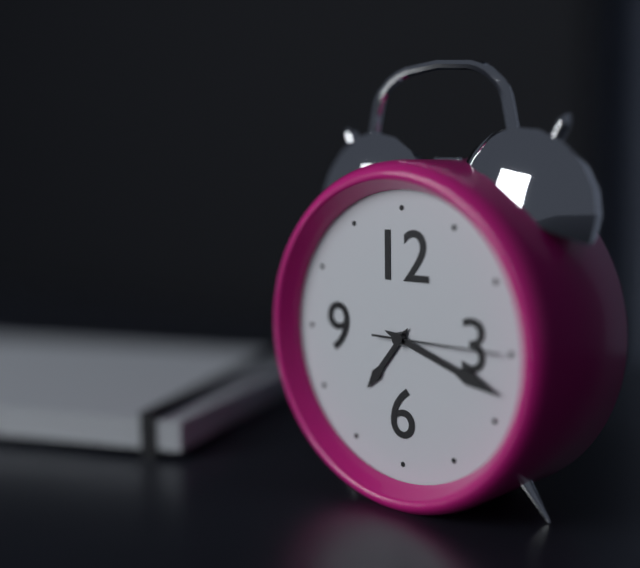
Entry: 7h18m15s
